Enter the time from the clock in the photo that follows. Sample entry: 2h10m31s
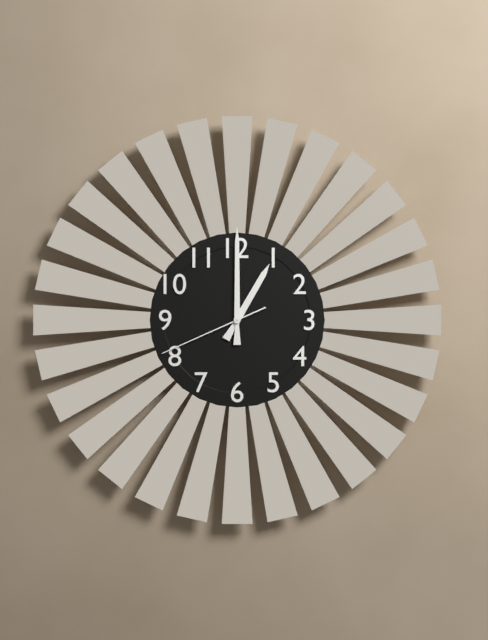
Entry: 1h00m41s
